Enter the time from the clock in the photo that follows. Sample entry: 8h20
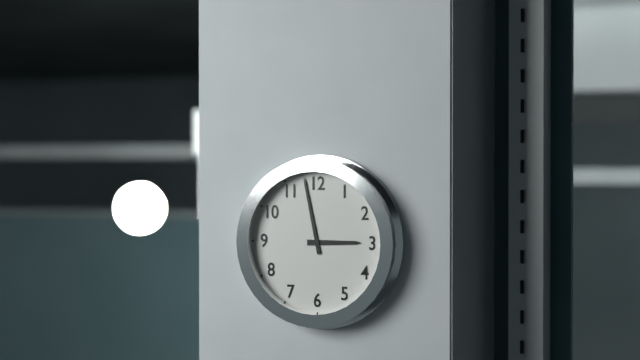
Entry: 2h58
